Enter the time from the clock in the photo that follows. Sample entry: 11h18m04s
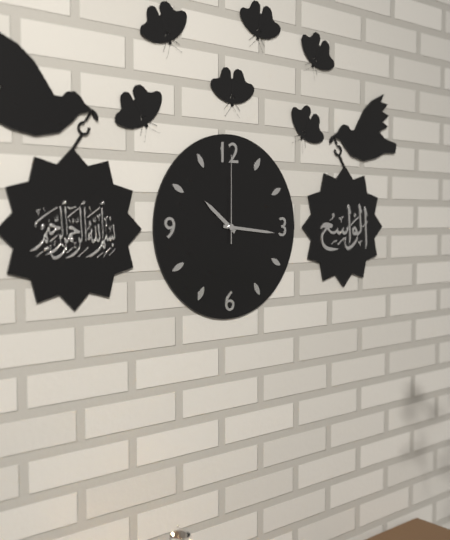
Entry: 10h16m00s
